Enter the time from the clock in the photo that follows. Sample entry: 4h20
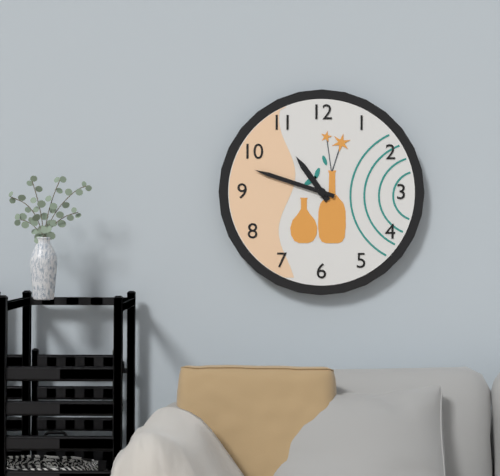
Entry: 10h48
